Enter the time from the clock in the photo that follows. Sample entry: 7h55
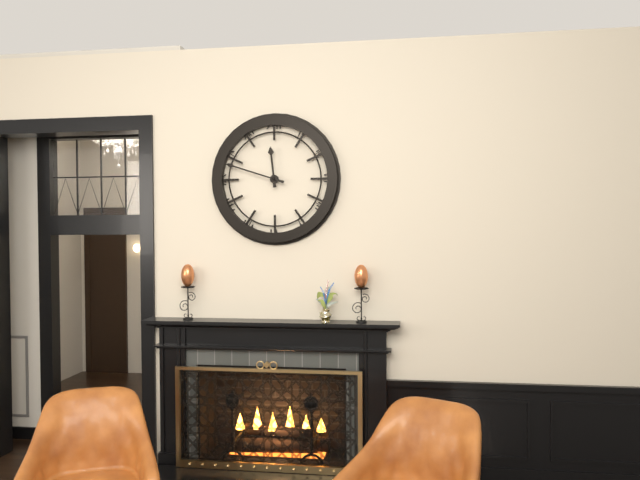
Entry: 11h48
